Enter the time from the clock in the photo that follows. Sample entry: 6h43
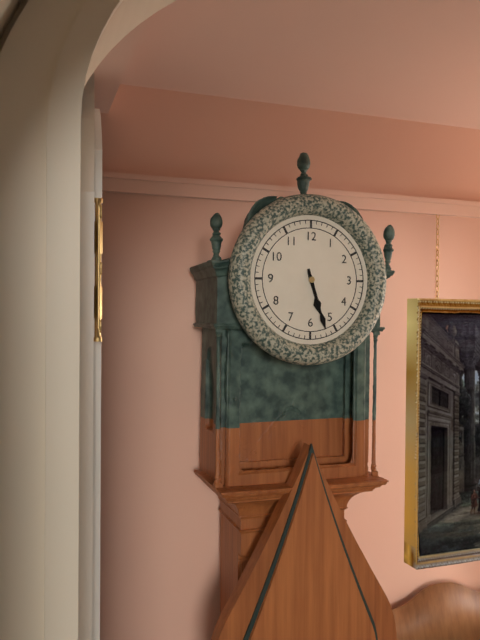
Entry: 5h27
